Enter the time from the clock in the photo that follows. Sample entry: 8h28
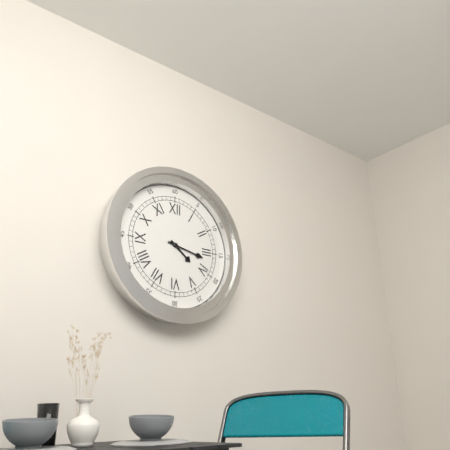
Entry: 4h17
